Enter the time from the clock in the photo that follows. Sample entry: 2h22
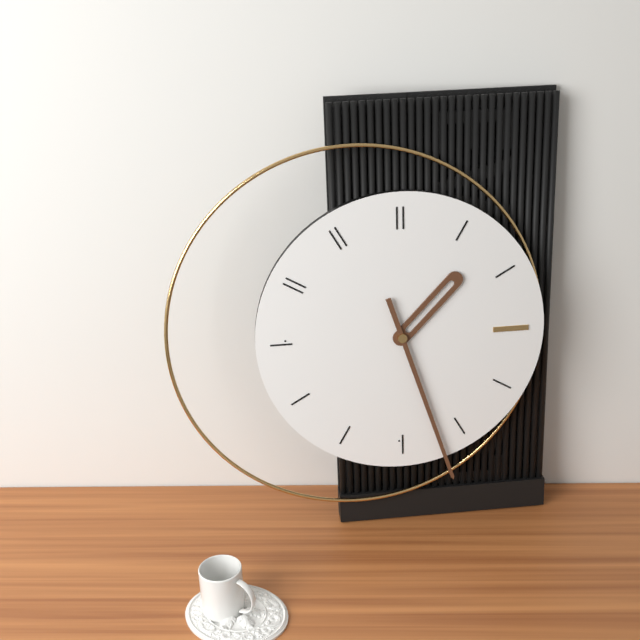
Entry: 1h27
